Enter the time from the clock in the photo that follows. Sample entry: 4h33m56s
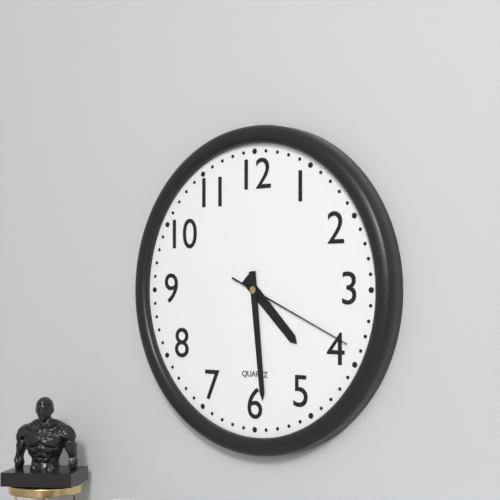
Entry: 4h29m19s
